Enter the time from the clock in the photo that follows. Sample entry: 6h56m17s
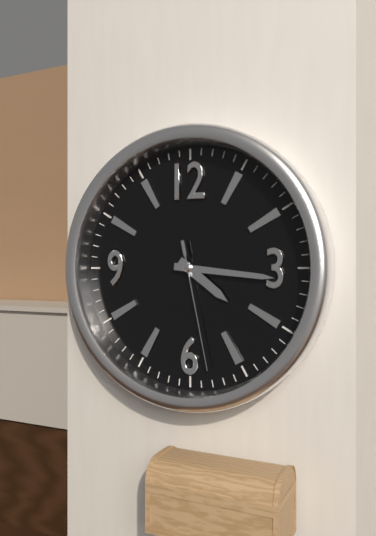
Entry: 4h16m28s
